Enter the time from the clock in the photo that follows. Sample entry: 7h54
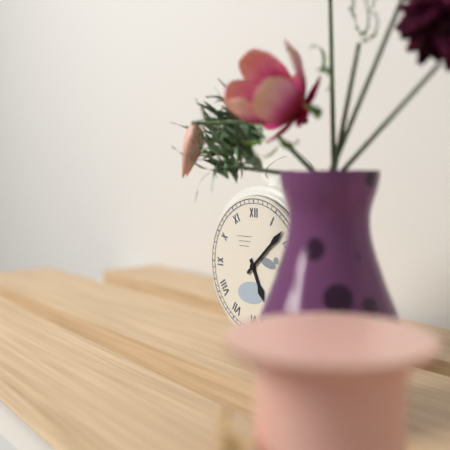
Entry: 5h08
